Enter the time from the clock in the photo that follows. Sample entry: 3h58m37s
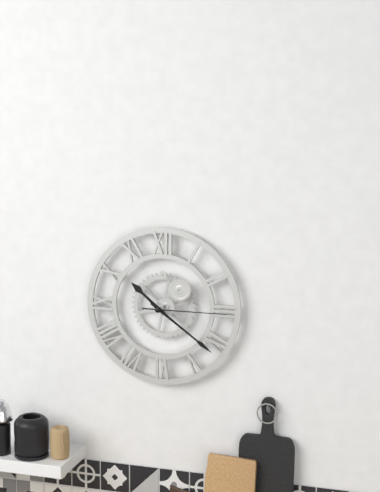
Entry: 10h21m15s
